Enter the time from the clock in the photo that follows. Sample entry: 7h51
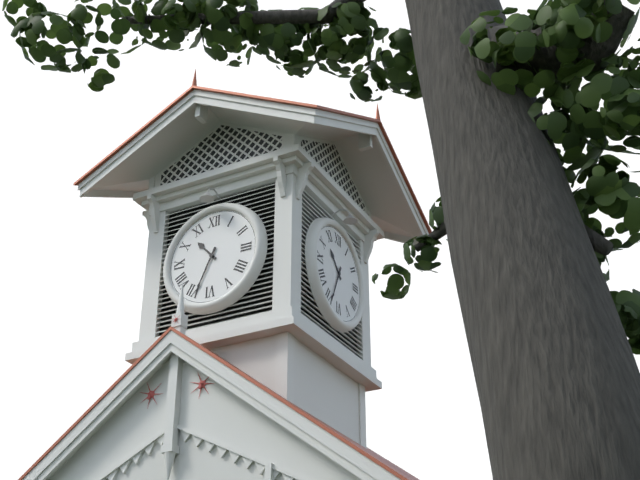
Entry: 10h34
